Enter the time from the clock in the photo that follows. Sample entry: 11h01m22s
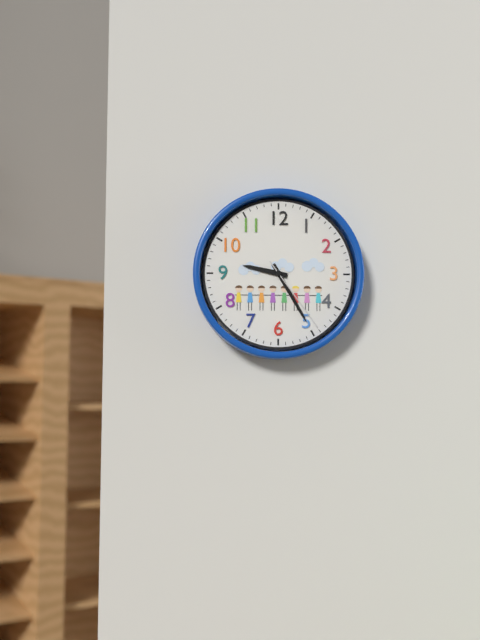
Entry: 9h25m24s
